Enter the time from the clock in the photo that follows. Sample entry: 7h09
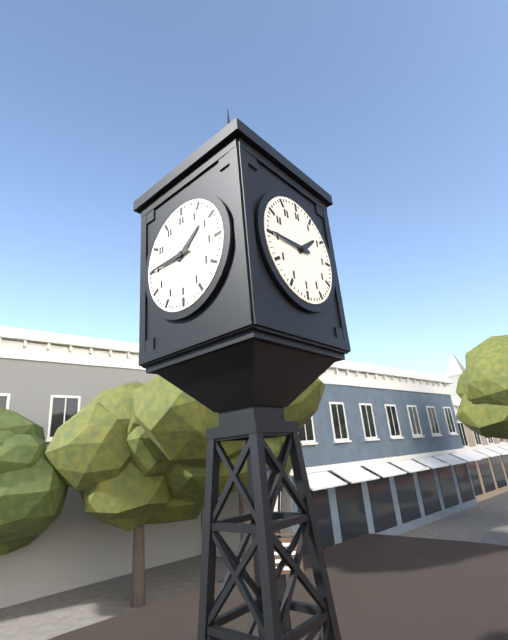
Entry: 1h45
